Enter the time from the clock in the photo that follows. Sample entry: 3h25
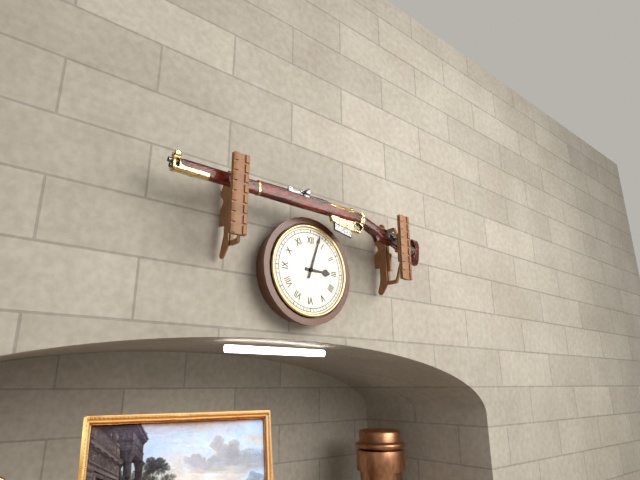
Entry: 3h03
